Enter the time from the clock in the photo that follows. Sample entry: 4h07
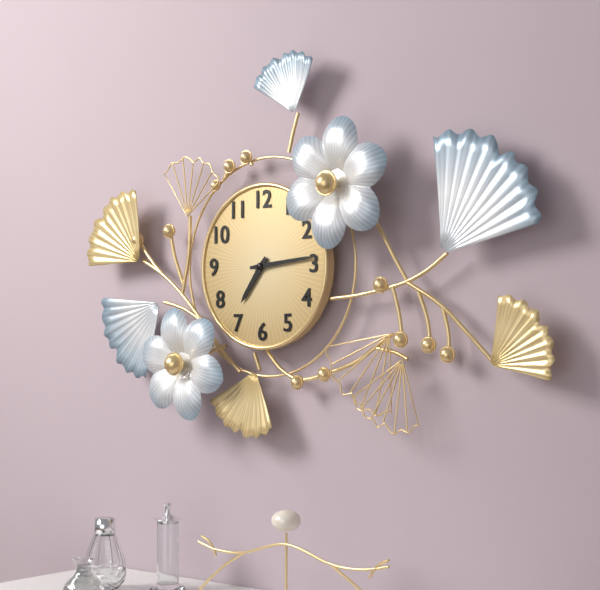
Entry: 7h14
